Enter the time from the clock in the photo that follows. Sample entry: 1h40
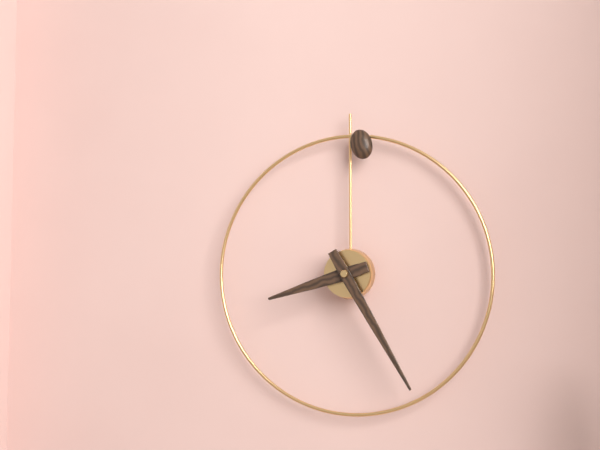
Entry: 8h25
